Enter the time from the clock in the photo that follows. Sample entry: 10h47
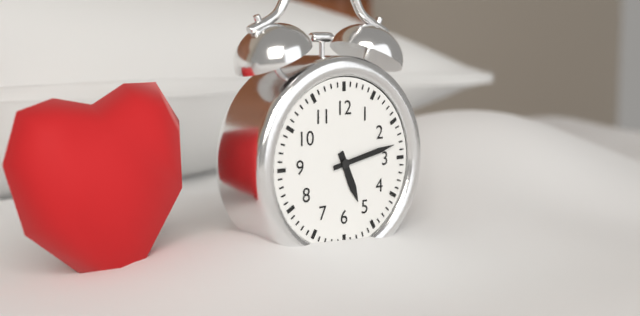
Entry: 5h13
